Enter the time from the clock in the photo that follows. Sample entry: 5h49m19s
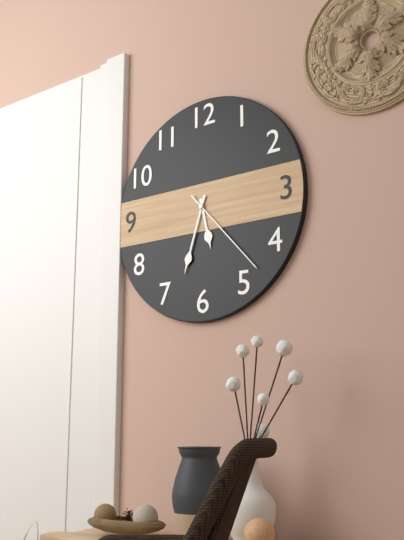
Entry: 5h33m23s
